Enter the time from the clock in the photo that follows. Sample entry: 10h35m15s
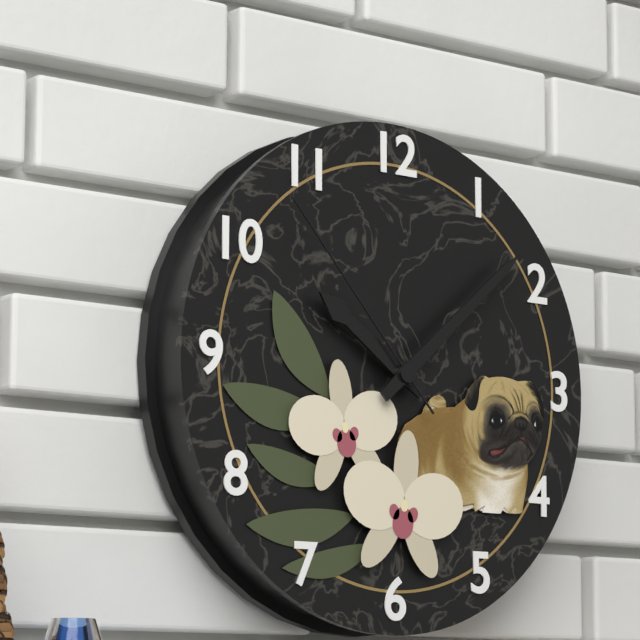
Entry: 10h08m53s
